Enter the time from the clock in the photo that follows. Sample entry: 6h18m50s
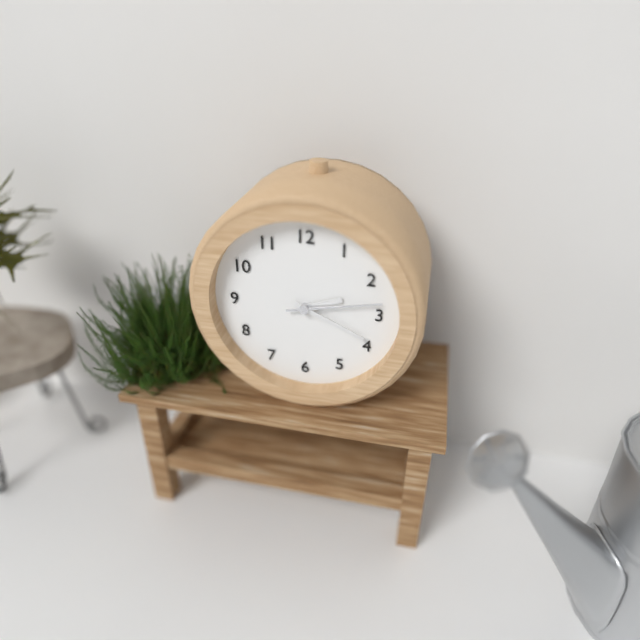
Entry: 2h19m13s
